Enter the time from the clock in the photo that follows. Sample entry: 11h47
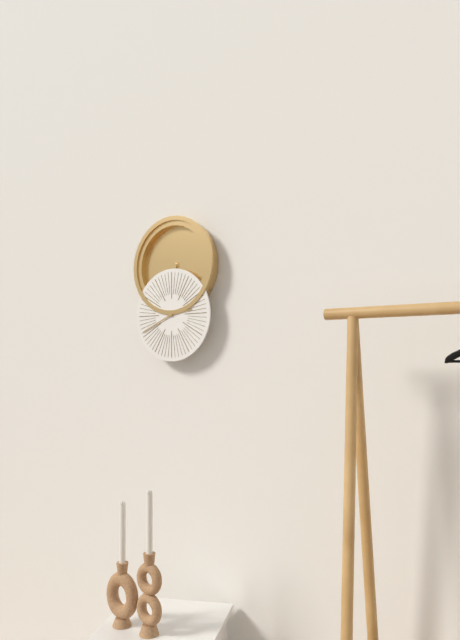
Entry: 2h41
